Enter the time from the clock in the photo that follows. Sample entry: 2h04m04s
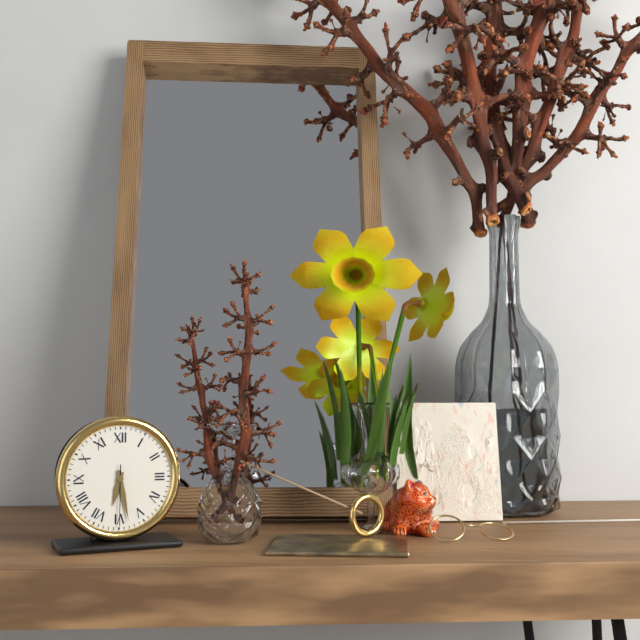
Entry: 6h28m30s
